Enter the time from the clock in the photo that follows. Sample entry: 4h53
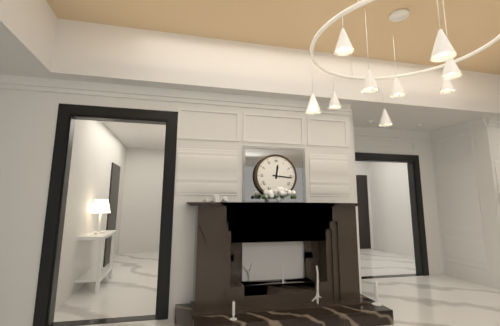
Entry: 12h16
